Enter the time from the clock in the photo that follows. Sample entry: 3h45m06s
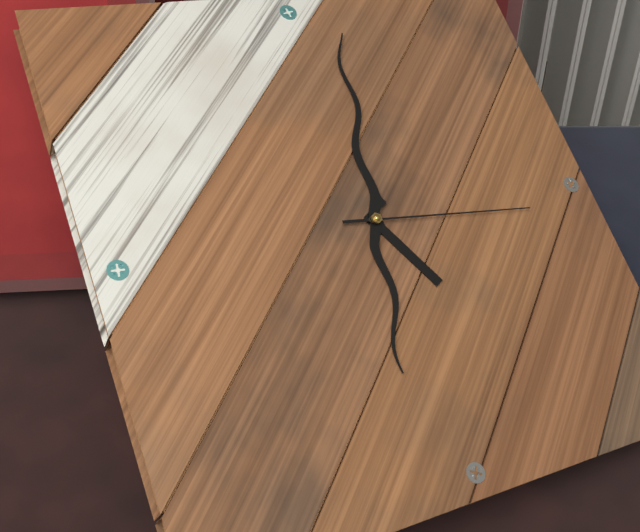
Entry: 5h02m16s
